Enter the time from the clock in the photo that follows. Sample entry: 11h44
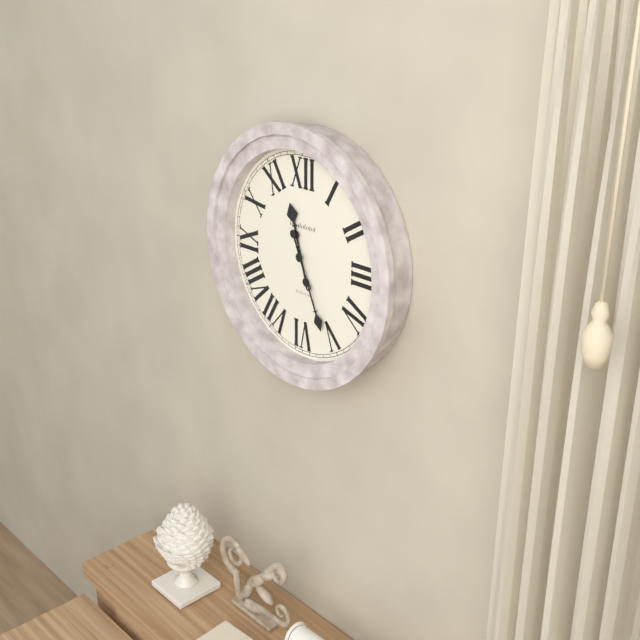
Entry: 11h26
